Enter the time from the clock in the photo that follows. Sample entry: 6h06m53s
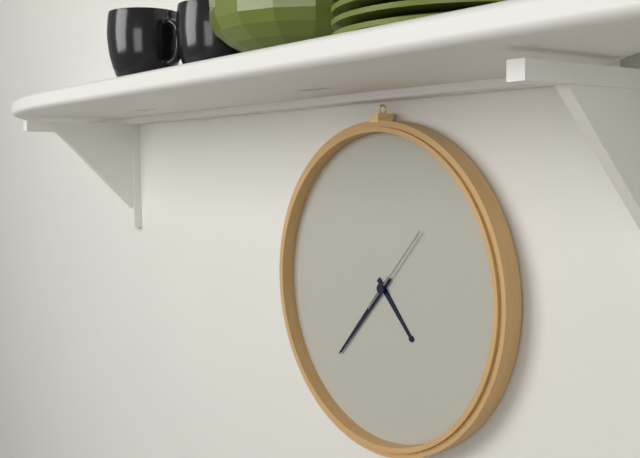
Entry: 4h37m07s
